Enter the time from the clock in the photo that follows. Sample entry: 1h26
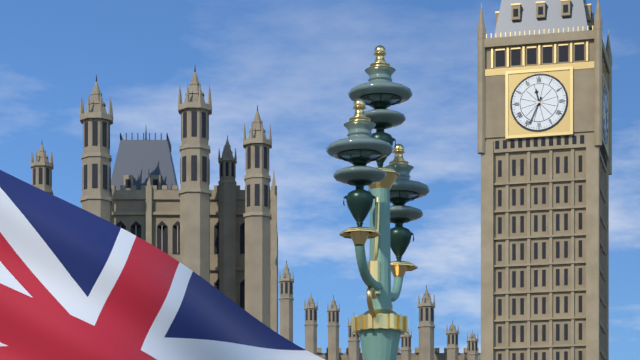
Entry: 11h34
